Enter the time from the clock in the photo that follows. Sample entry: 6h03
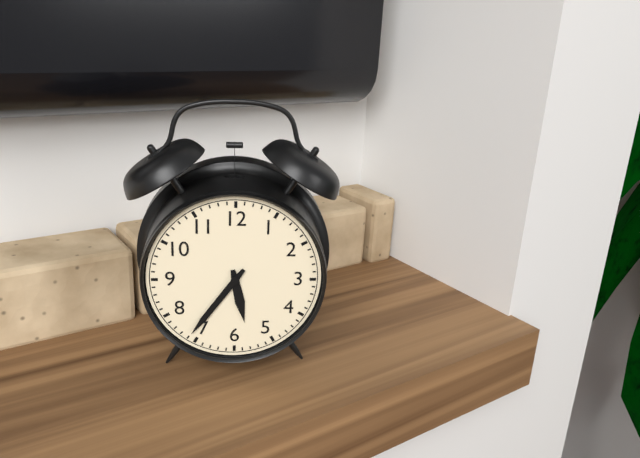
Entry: 5h36
